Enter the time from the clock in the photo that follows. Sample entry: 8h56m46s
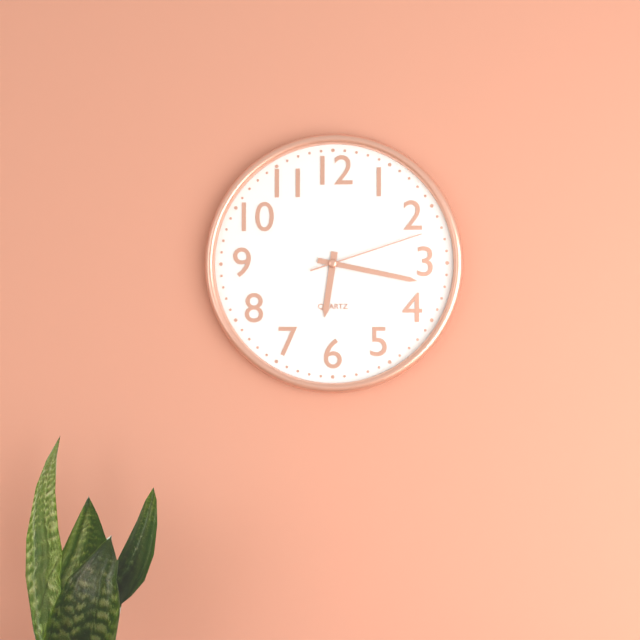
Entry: 6h17m12s
